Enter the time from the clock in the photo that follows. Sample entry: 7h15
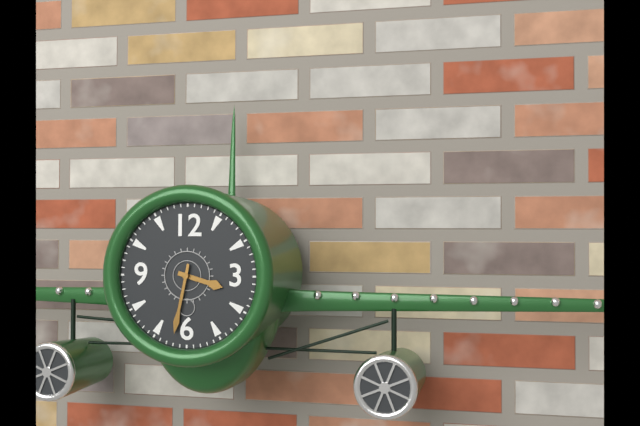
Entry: 3h32
